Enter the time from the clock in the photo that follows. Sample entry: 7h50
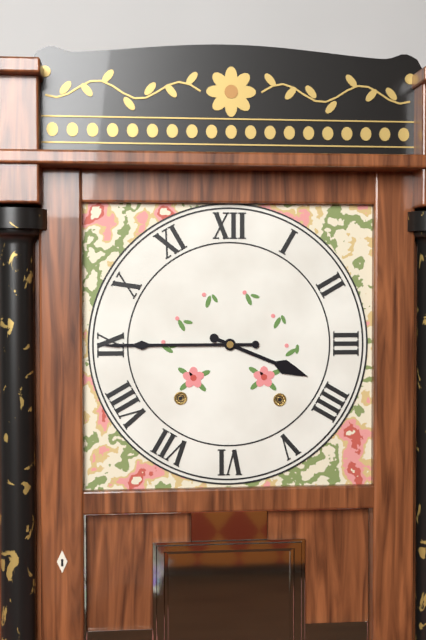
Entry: 3h45
